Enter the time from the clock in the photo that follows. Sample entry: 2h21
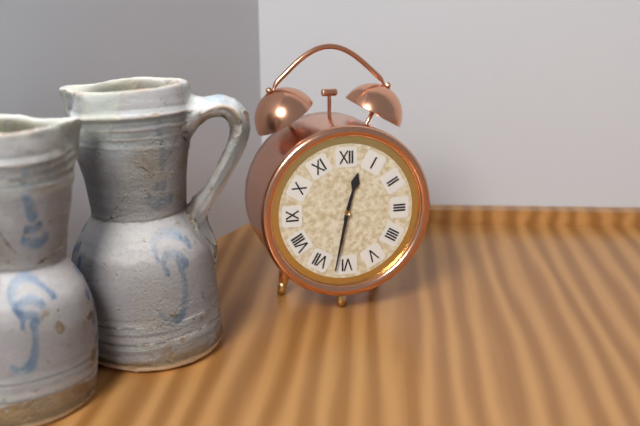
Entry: 12h32
